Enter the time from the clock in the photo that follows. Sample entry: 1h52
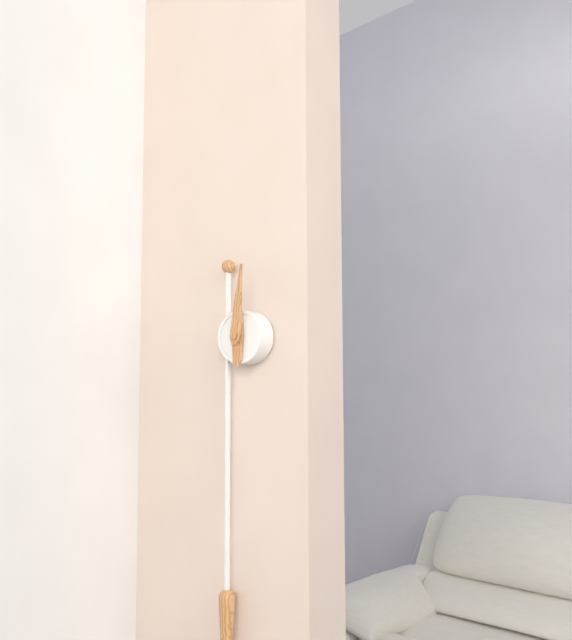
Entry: 12h01
